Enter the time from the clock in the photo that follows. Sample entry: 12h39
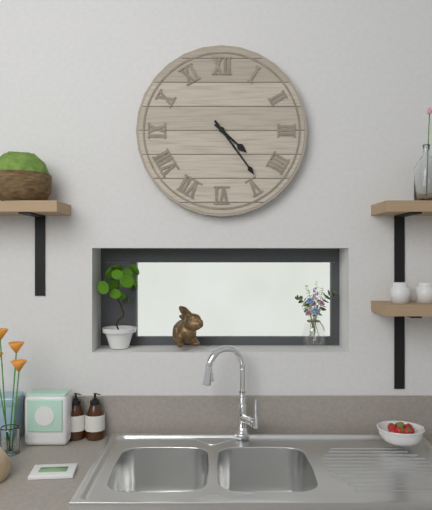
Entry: 4h24
